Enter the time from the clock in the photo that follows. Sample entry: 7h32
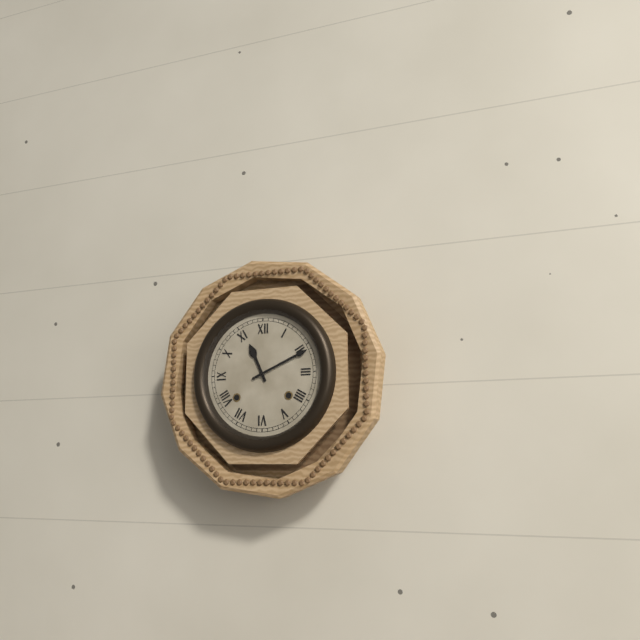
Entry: 11h11
